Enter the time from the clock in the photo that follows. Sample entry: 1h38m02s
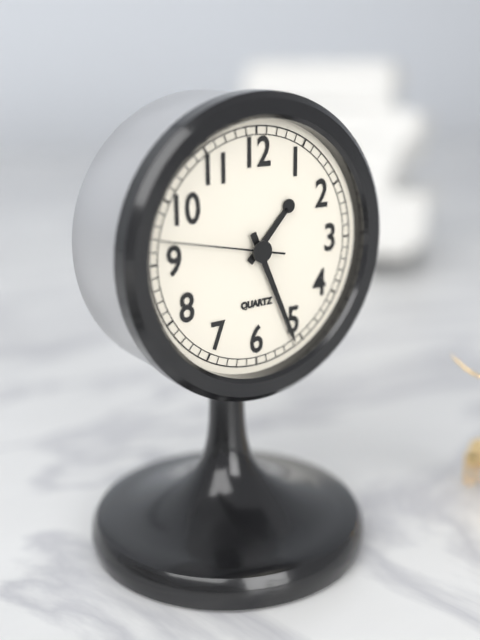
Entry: 1h26m47s
